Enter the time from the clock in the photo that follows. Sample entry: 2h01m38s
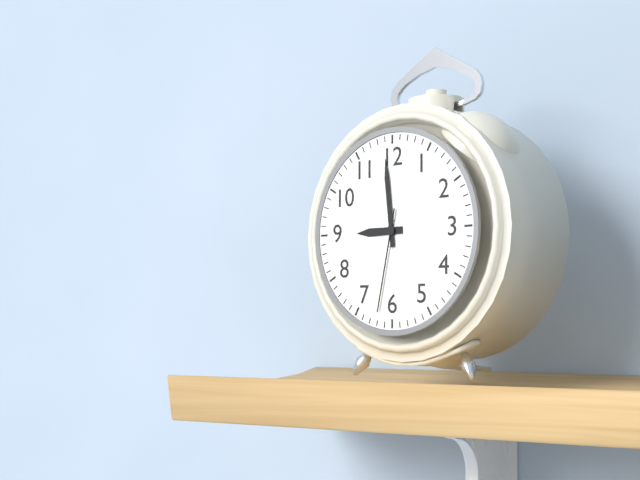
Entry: 8h59m32s
